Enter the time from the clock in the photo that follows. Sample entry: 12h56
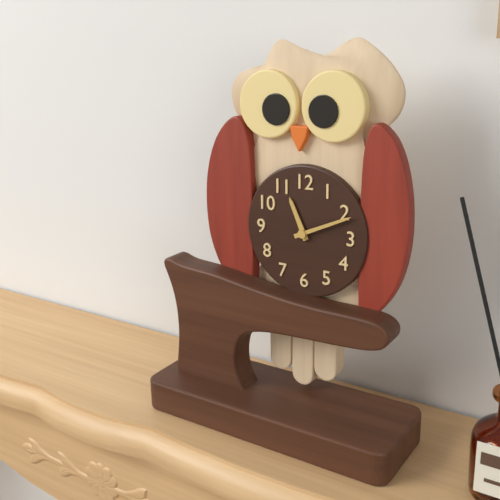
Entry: 11h11
